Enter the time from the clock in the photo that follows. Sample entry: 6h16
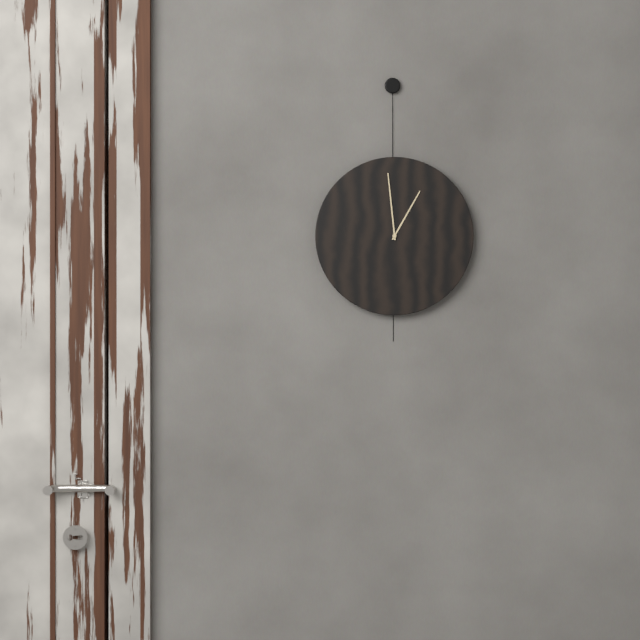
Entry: 12h59
